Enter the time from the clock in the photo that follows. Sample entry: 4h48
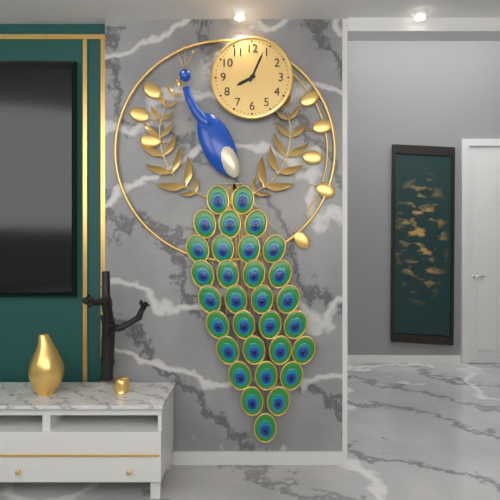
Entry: 8h04
